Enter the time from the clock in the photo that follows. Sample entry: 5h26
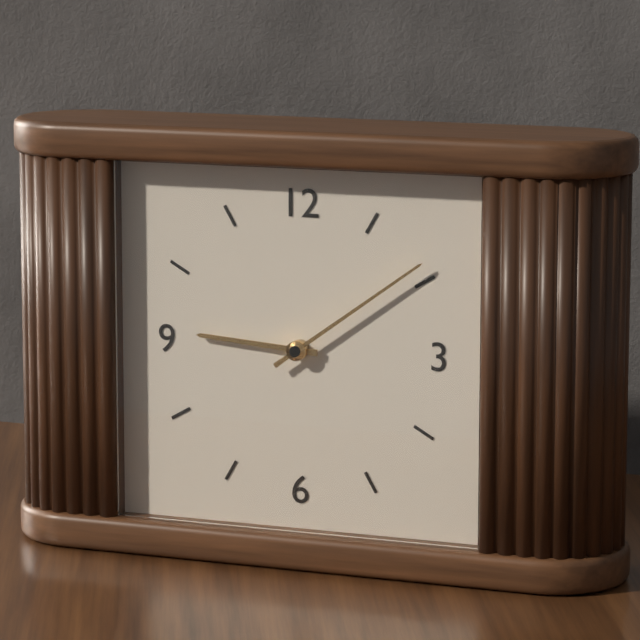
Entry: 9h09
